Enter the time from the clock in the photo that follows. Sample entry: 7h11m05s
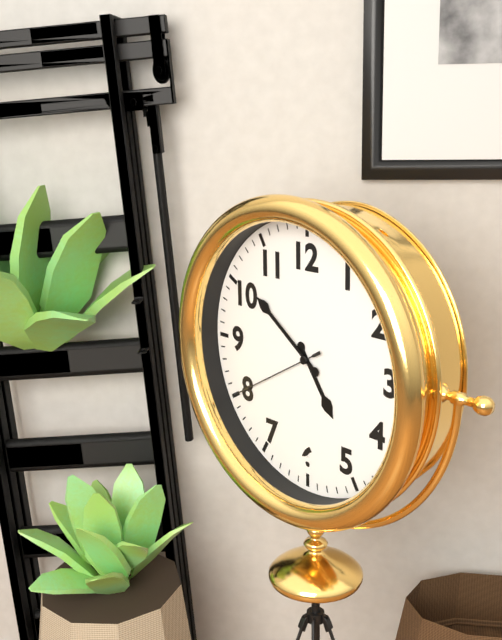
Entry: 4h51m40s
